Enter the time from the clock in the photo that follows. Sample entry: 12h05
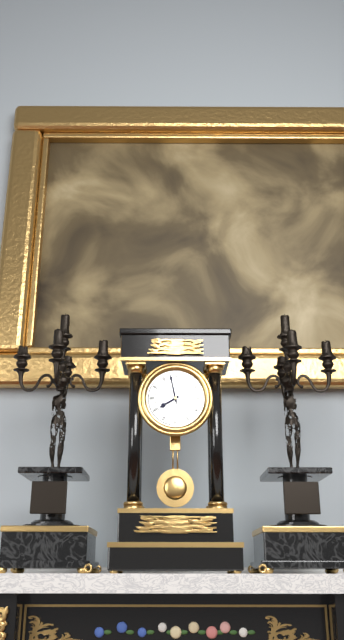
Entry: 7h58
